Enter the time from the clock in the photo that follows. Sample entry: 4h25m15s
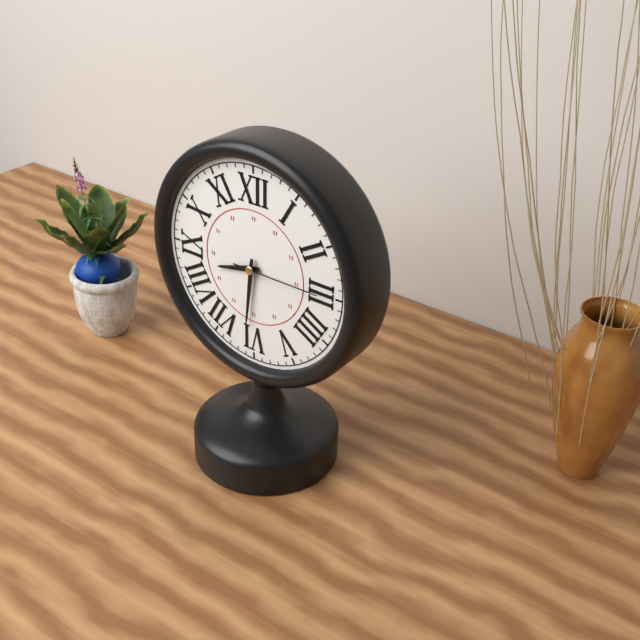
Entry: 8h31m15s
